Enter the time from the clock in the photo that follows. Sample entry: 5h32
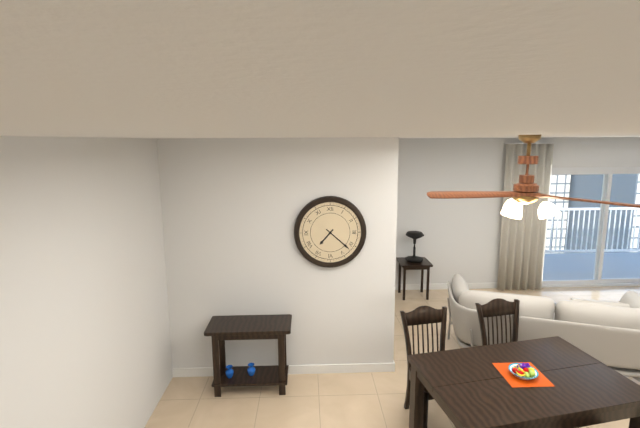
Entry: 7h22
